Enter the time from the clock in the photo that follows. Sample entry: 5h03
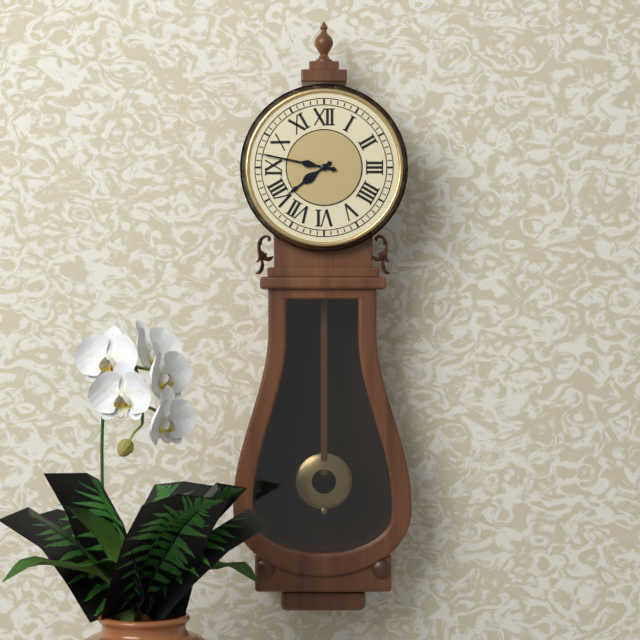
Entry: 7h47
